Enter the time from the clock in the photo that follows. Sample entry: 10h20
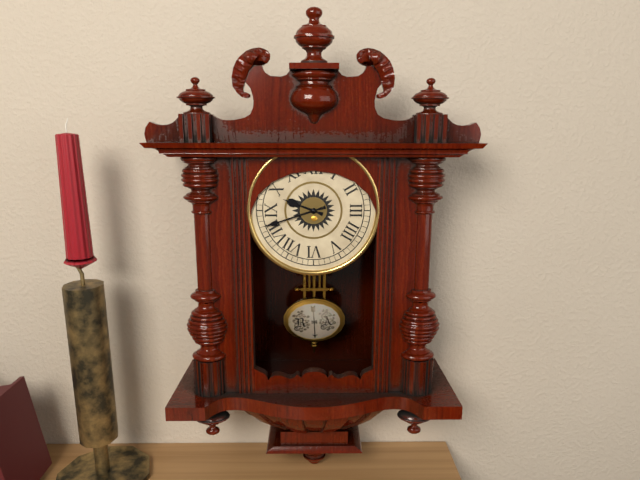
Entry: 9h42
